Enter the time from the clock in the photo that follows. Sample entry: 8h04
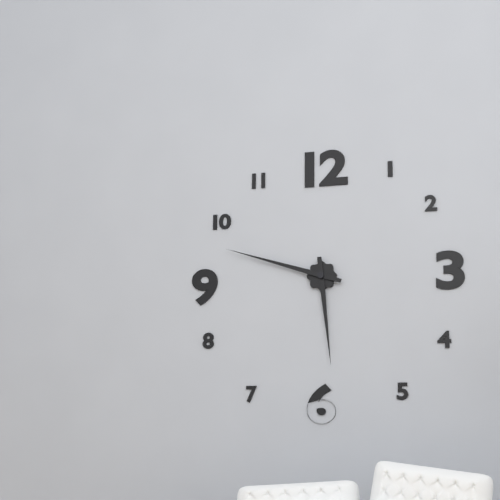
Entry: 5h48
